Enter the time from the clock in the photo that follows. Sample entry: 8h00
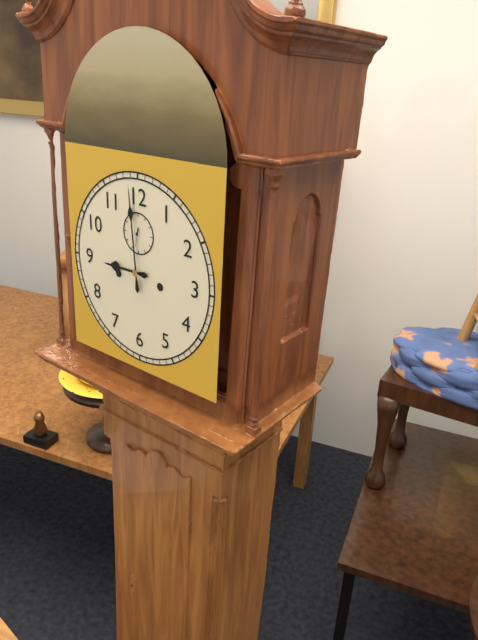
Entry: 8h59
